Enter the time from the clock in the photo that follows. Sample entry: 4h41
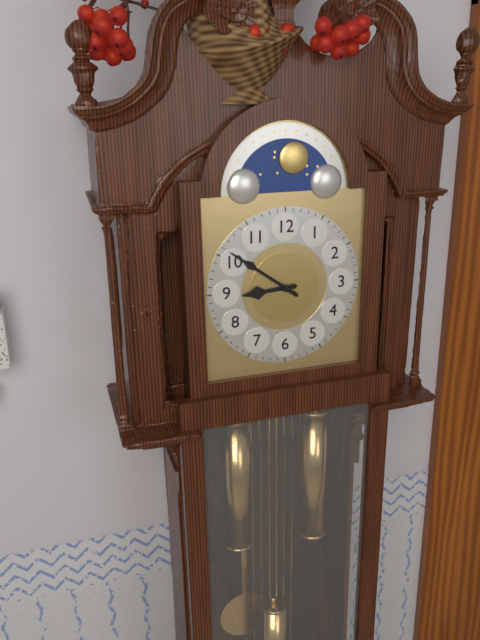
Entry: 8h51
